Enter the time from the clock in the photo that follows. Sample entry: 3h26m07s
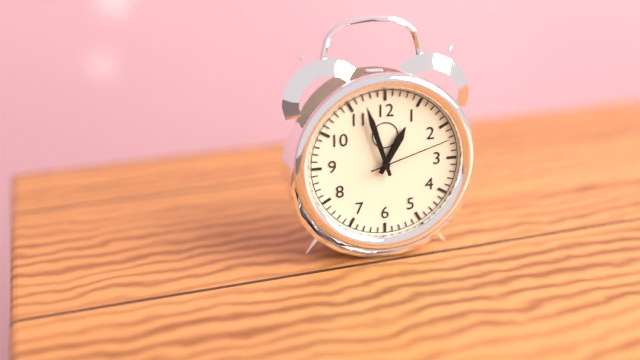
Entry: 12h57m12s
